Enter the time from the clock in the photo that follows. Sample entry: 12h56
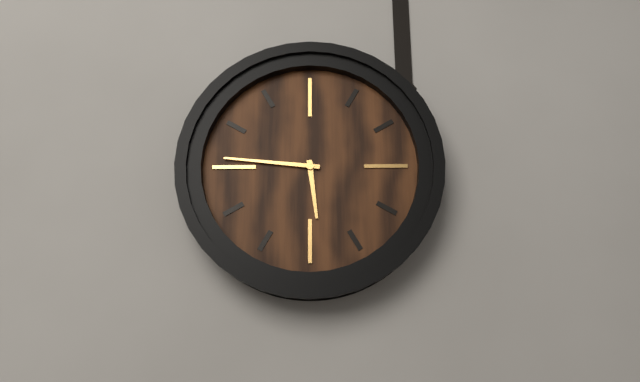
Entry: 5h46
